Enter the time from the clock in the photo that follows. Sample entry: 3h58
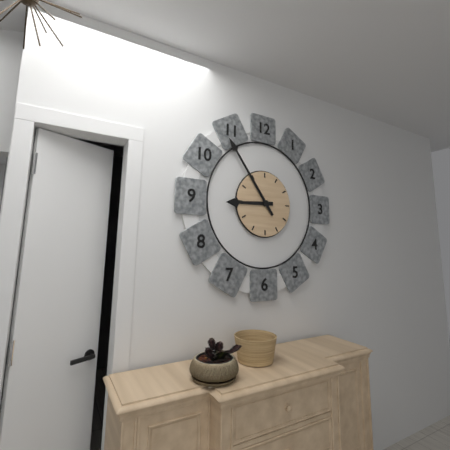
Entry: 8h54
